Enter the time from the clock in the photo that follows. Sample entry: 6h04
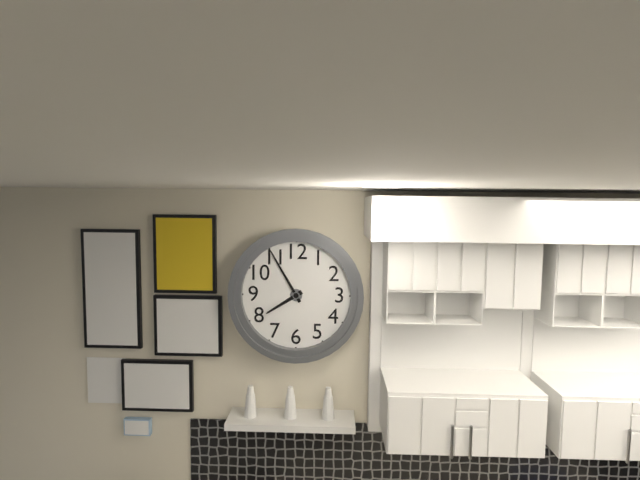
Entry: 7h55
